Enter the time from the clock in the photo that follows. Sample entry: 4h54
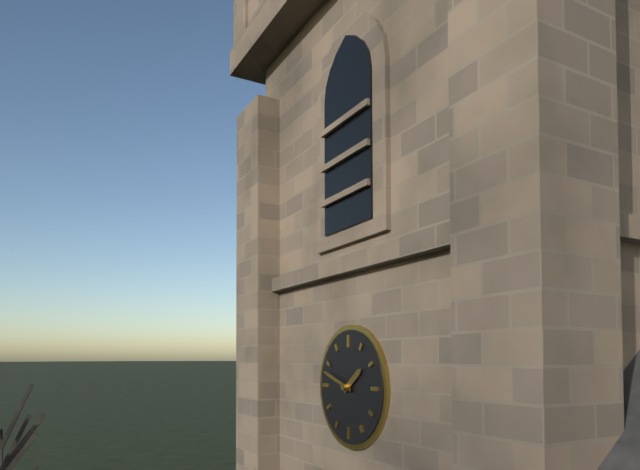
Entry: 1h48
